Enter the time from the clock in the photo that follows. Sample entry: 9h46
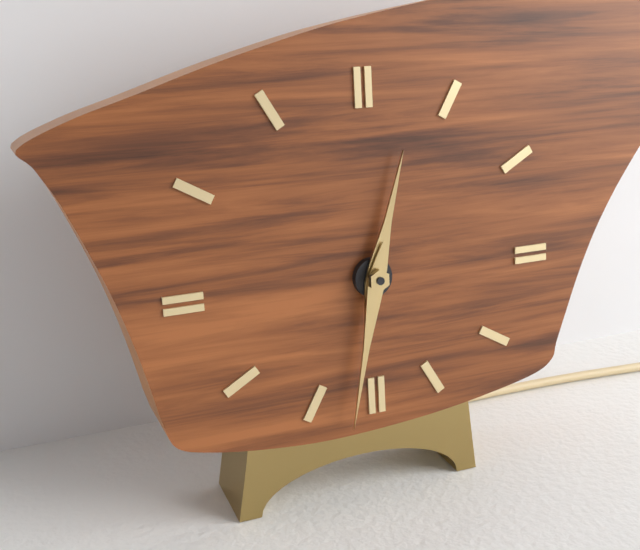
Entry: 12h32
